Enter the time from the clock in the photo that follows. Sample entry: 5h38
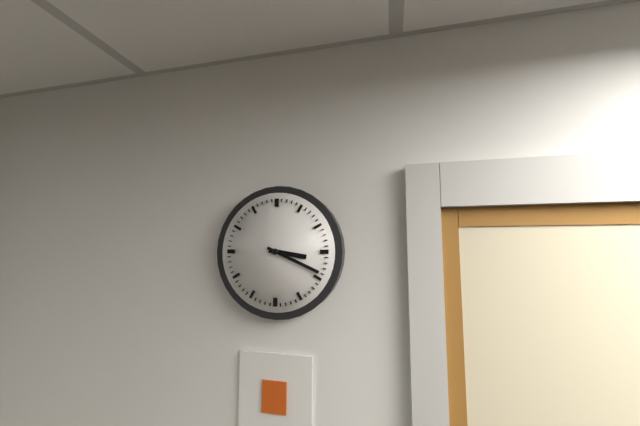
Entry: 3h19
